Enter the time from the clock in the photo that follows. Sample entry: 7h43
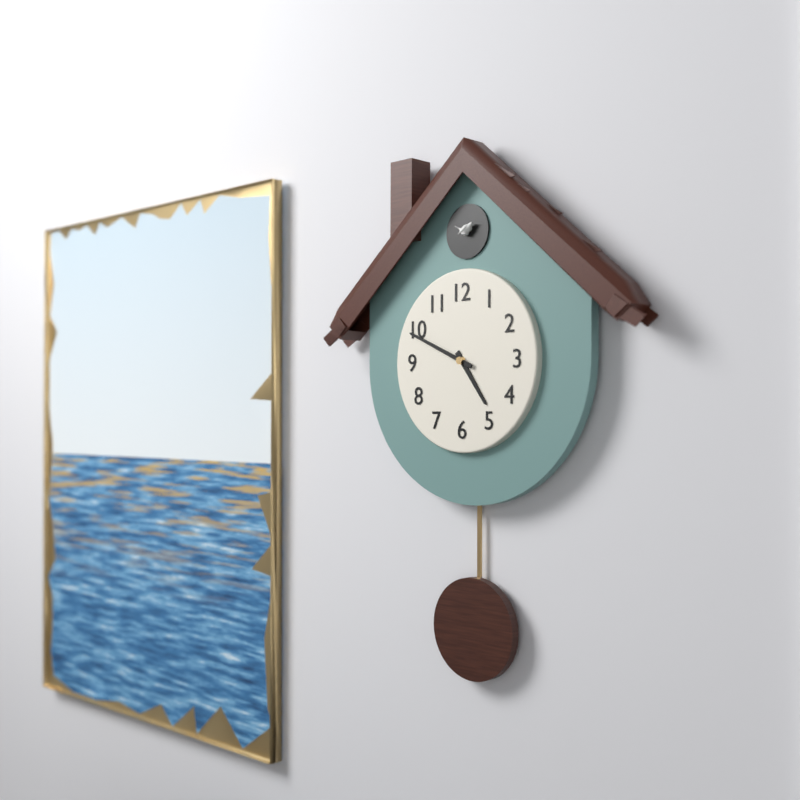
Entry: 4h49
